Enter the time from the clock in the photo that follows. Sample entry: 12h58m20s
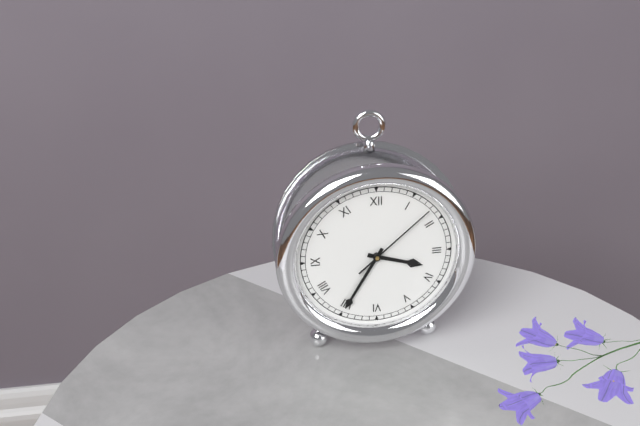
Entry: 3h35m08s
